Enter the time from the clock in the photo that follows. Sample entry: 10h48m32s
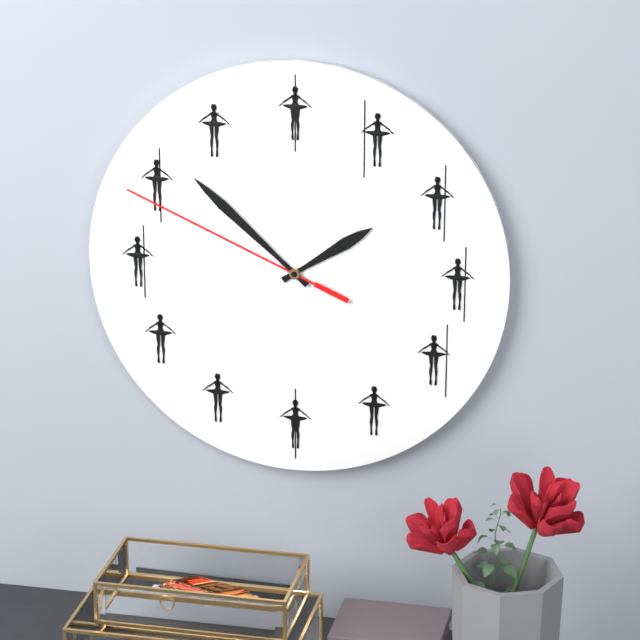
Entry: 1h52m49s
